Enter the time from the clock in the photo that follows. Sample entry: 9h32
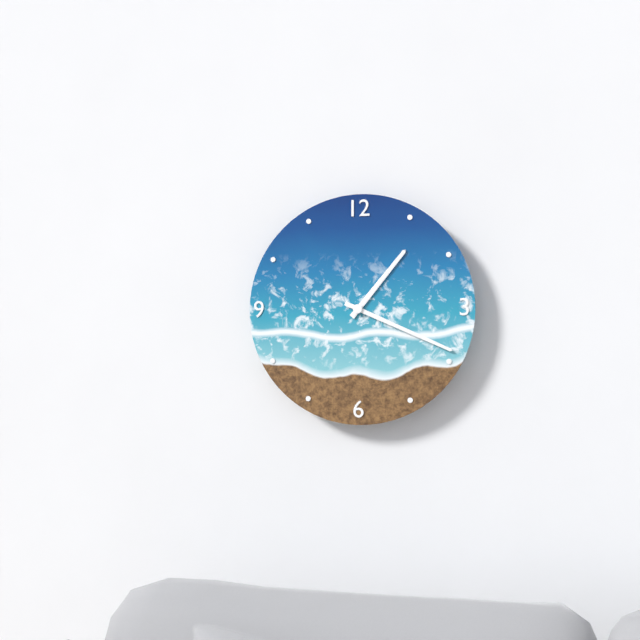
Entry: 1h19
